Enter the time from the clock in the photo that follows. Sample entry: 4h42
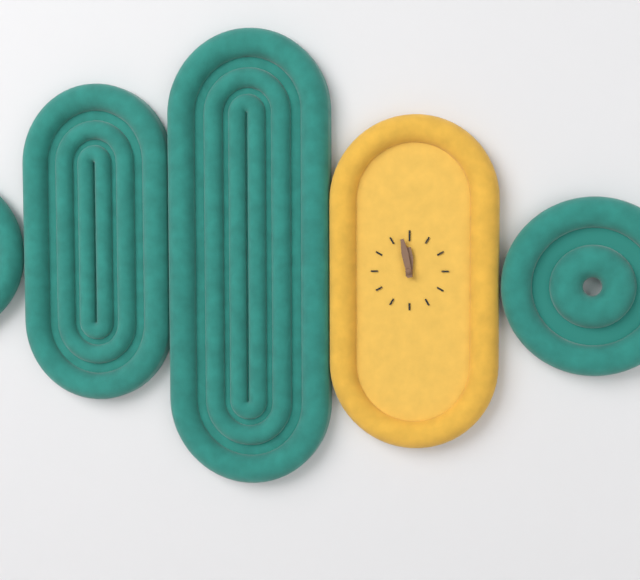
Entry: 11h58
